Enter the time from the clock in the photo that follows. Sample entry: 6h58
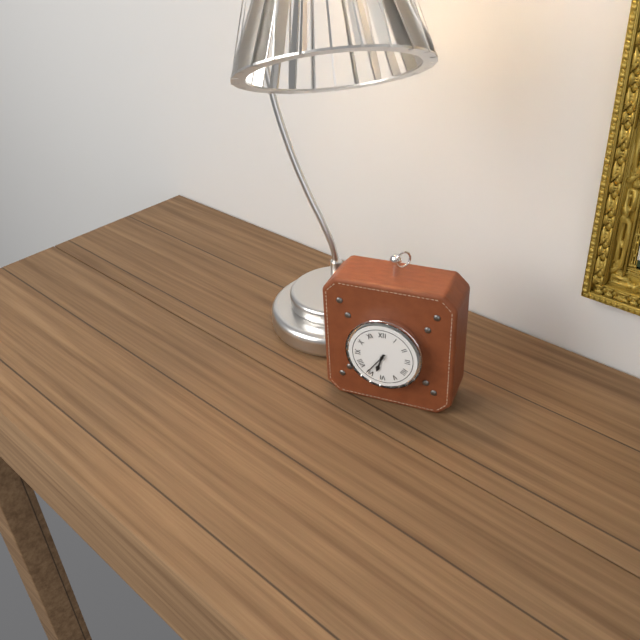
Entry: 6h36
